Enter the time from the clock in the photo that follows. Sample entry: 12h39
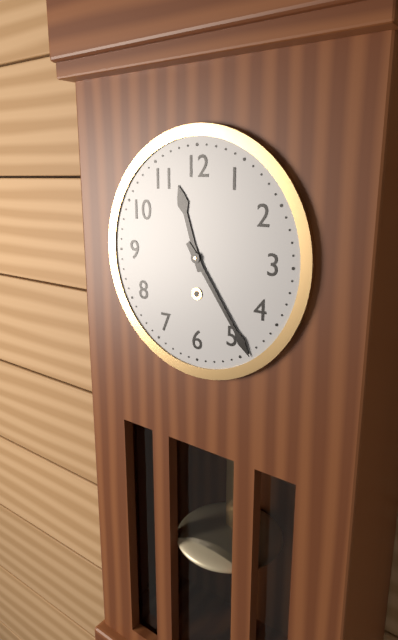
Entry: 11h24
